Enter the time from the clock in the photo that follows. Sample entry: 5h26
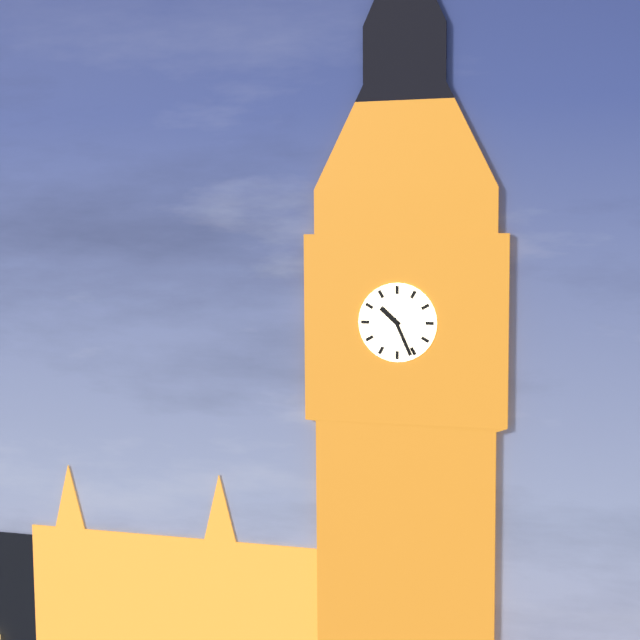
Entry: 10h26
